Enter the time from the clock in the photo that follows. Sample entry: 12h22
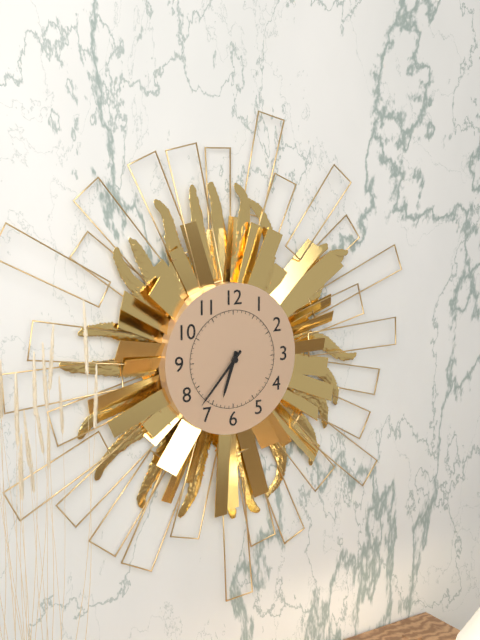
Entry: 6h37
